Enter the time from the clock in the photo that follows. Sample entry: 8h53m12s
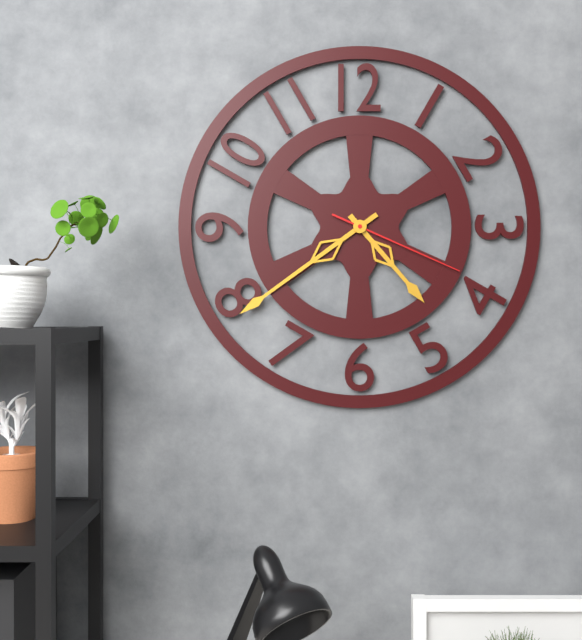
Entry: 4h39m19s
